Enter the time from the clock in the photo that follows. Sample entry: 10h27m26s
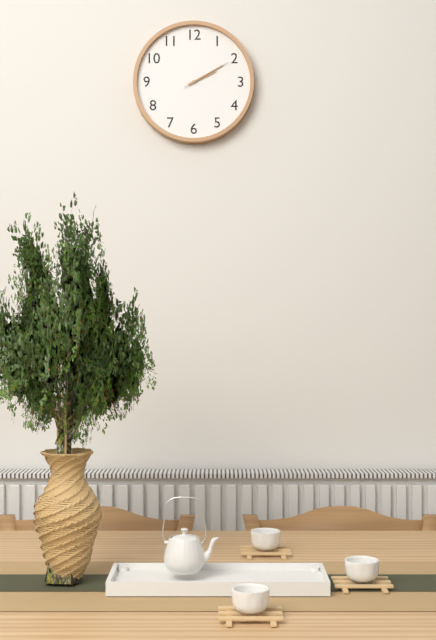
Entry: 2h10m10s
